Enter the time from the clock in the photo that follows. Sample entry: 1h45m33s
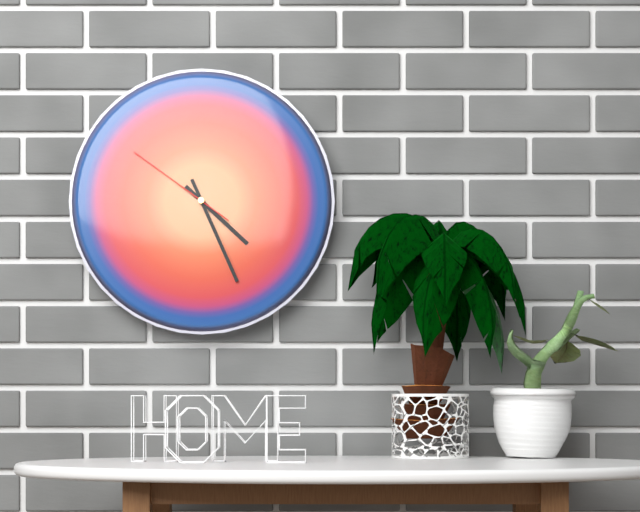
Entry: 4h26m51s
